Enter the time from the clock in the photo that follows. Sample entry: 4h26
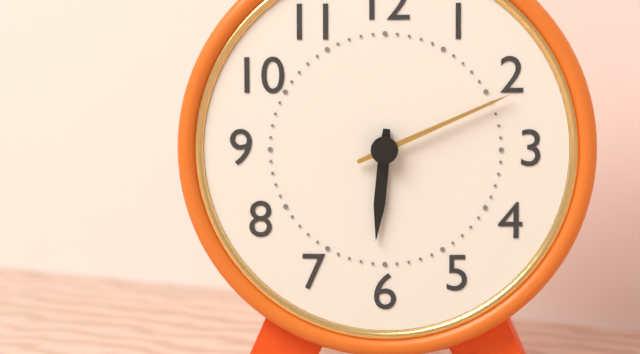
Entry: 6h11
